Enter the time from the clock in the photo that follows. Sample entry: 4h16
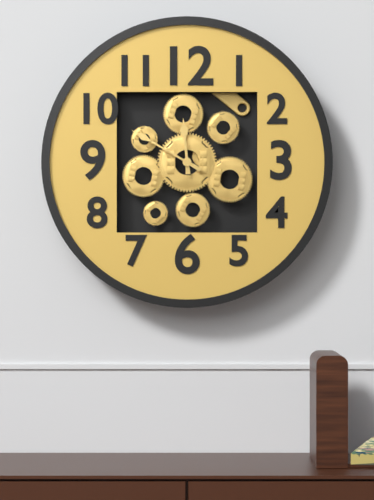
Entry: 11h50
